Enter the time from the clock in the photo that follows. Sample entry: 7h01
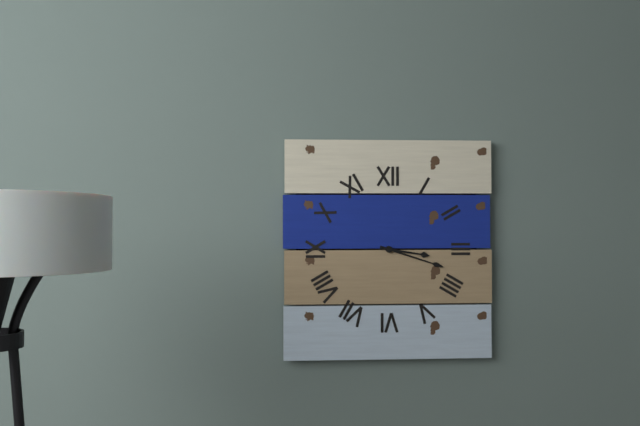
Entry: 3h18
